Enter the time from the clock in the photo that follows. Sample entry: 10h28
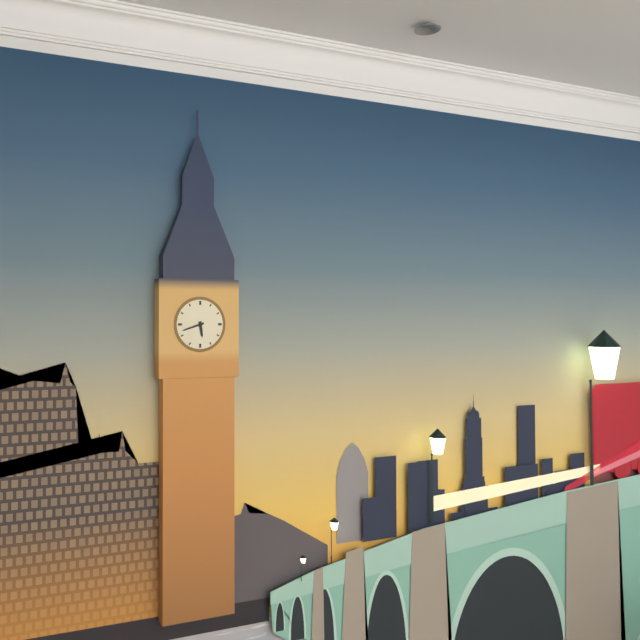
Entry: 5h42
